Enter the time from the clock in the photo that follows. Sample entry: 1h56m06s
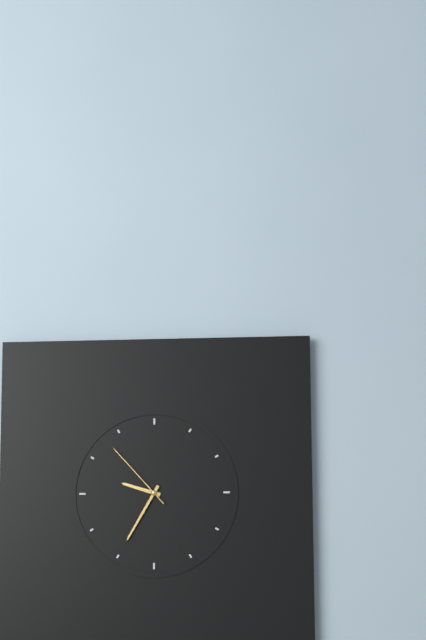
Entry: 9h35m53s
